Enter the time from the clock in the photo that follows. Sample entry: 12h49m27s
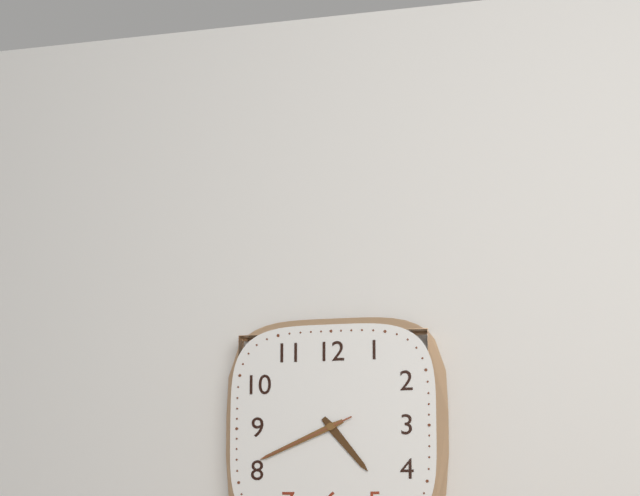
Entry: 4h41m41s
